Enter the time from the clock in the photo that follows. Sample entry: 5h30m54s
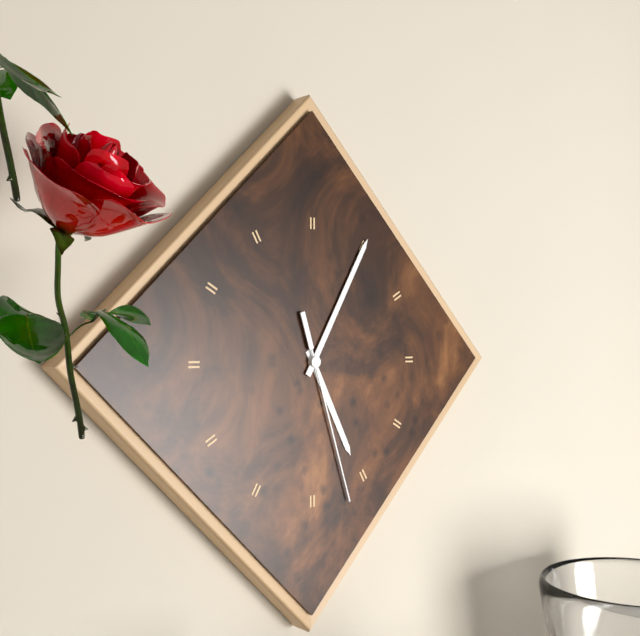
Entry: 5h05m27s
